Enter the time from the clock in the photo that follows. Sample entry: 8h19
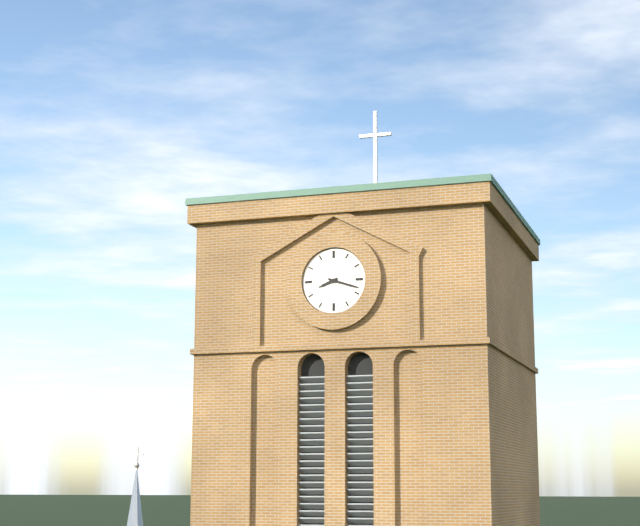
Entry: 8h18
